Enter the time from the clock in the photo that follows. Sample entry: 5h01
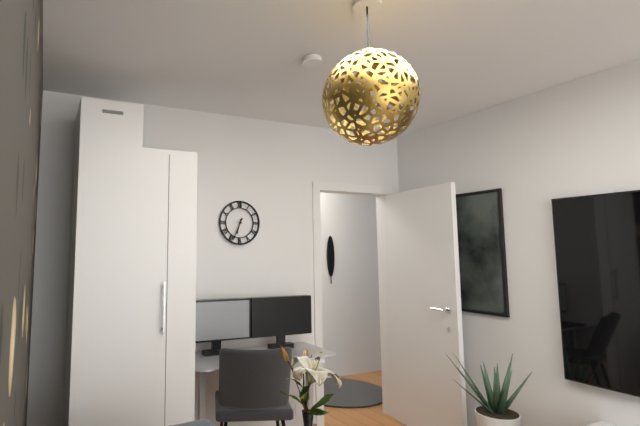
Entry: 6h34
